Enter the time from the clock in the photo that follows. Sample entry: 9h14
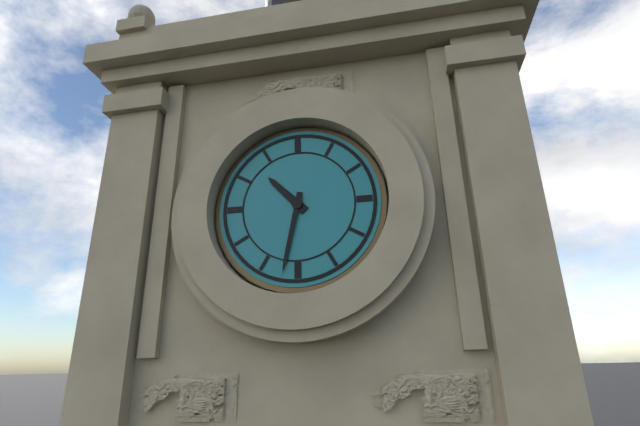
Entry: 10h32
